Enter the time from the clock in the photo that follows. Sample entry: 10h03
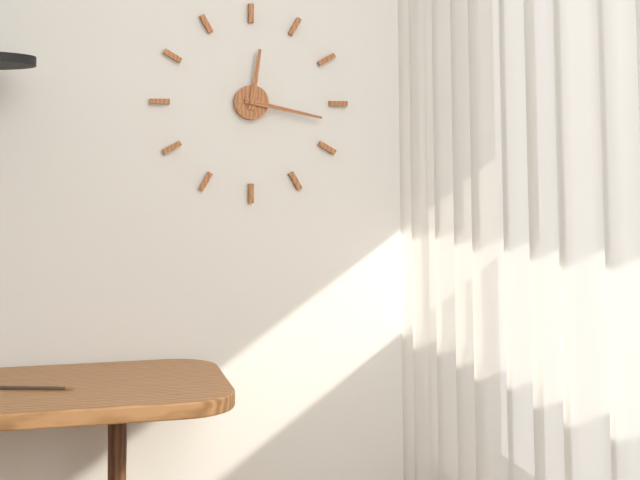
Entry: 12h17
